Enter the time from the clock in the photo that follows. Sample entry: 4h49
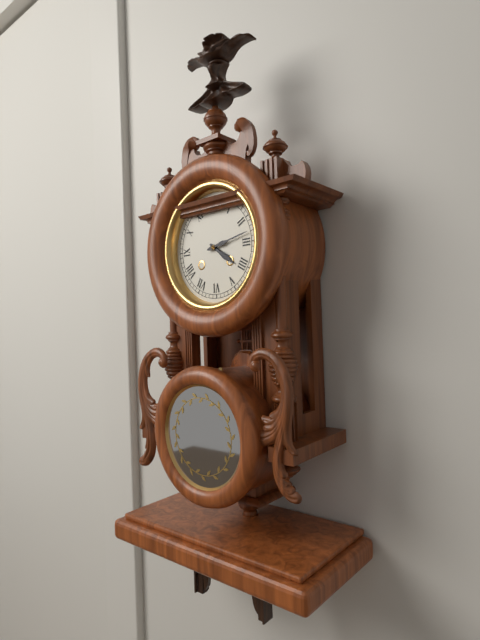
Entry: 4h13
